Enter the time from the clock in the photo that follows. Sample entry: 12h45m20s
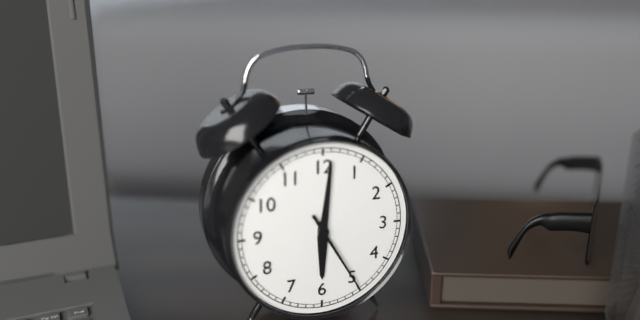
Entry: 6h01m25s
